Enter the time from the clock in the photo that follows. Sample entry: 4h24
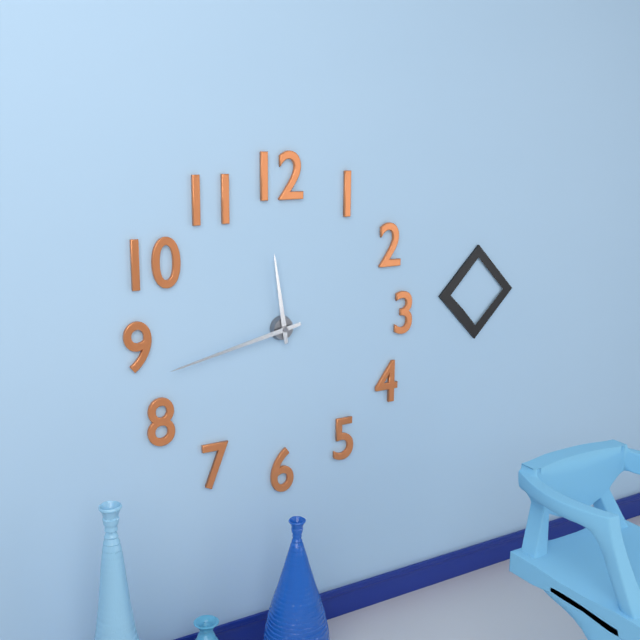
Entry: 11h43
